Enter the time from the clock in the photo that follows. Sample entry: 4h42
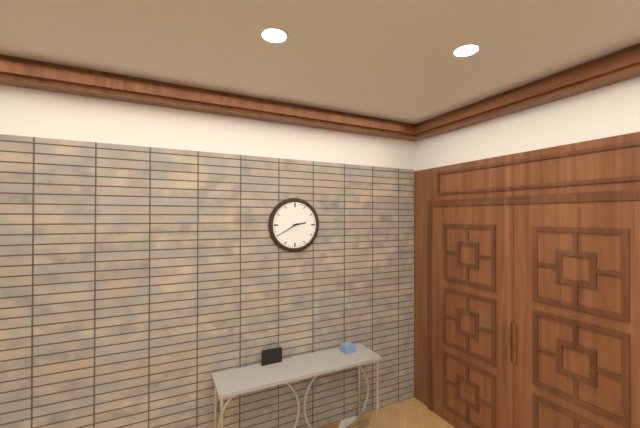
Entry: 2h40
